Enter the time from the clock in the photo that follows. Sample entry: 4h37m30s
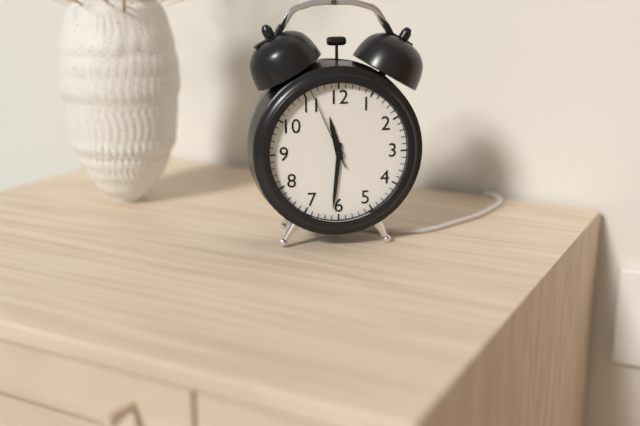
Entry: 11h31m56s
